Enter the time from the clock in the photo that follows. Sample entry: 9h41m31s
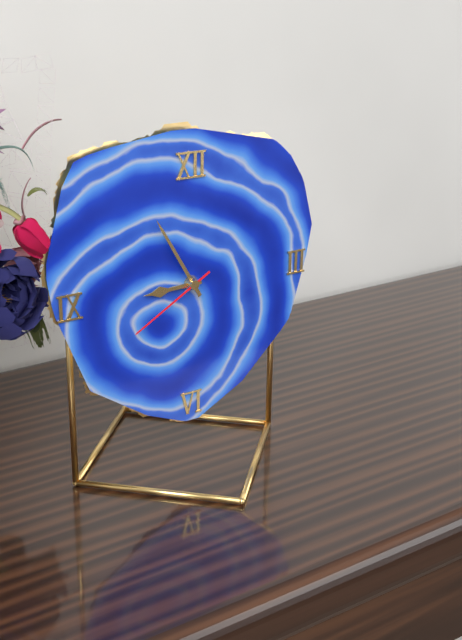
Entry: 8h55m40s
